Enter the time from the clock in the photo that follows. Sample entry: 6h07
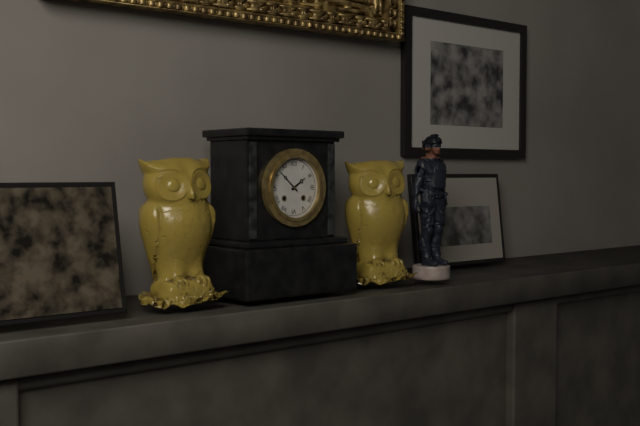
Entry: 1h52
